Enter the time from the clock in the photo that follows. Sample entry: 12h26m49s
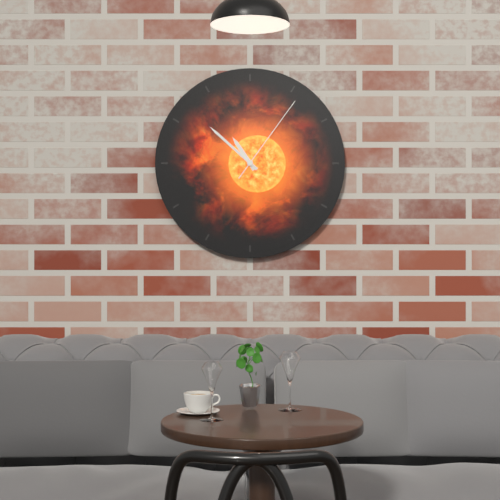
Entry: 10h52m06s
